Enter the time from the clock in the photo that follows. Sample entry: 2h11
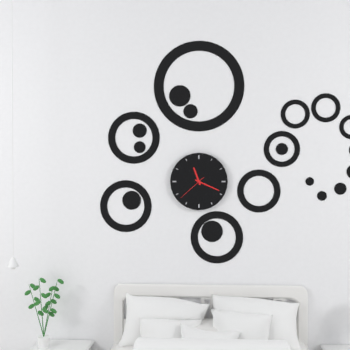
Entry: 11h19
